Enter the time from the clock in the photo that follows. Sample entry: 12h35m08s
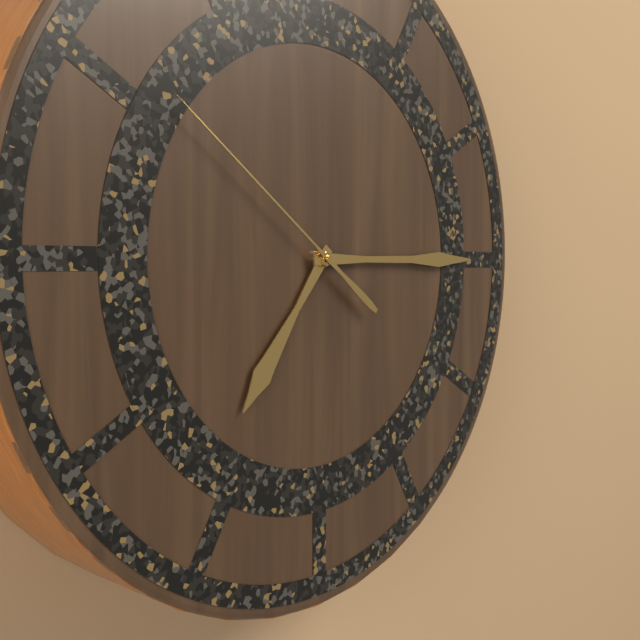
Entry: 7h15m51s
